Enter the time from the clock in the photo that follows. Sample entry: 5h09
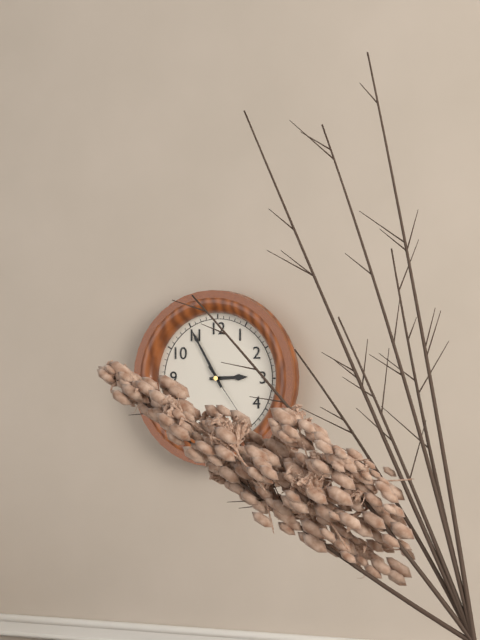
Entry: 2h55
